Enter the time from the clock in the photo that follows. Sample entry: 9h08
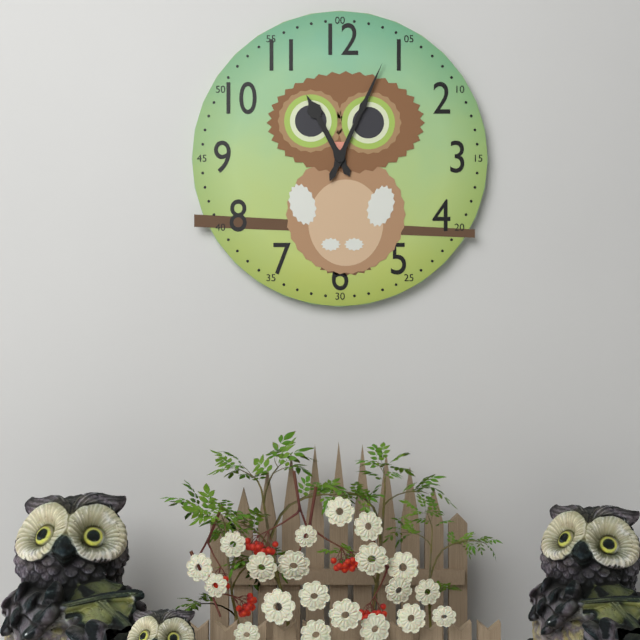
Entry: 11h04
